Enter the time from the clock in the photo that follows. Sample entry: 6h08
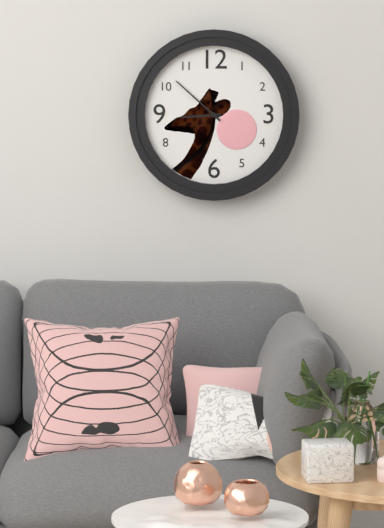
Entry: 8h52
